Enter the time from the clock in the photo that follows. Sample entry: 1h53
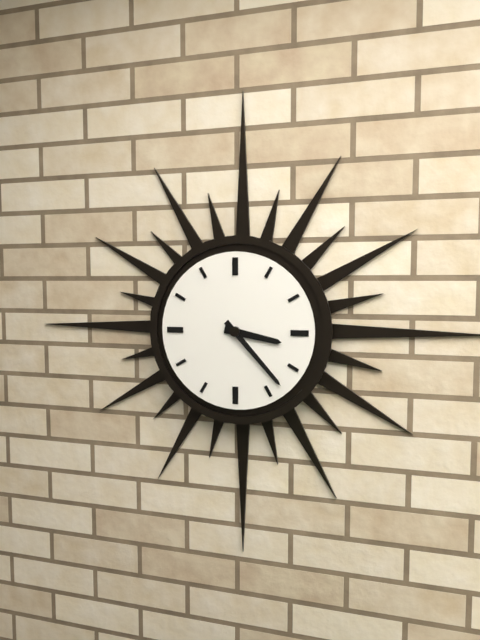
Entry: 3h23
